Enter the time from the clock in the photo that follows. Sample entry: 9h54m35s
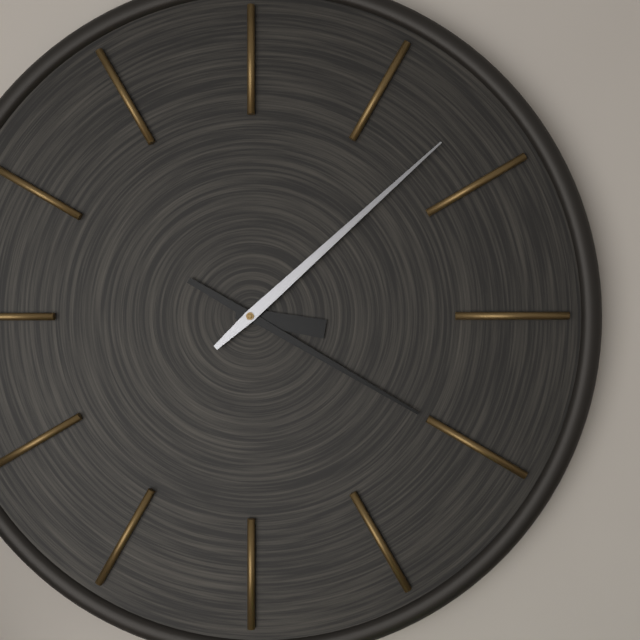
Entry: 3h20m08s
